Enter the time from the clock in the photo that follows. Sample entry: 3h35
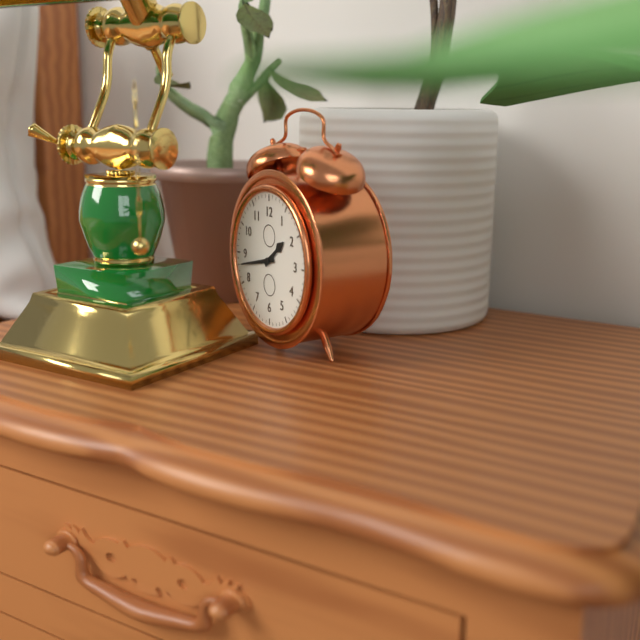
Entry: 1h43
